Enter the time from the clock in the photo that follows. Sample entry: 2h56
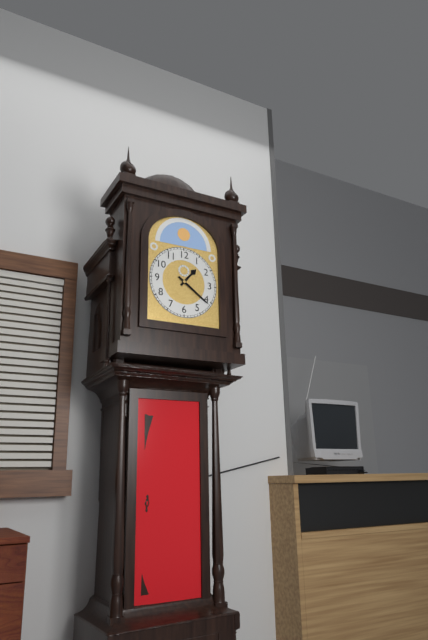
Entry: 1h21
